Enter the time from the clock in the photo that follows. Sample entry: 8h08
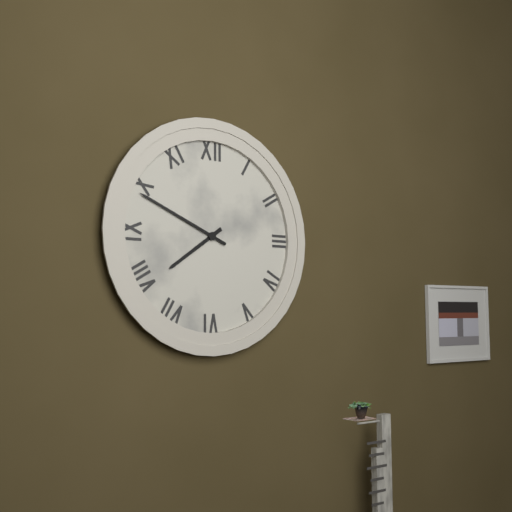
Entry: 7h49
